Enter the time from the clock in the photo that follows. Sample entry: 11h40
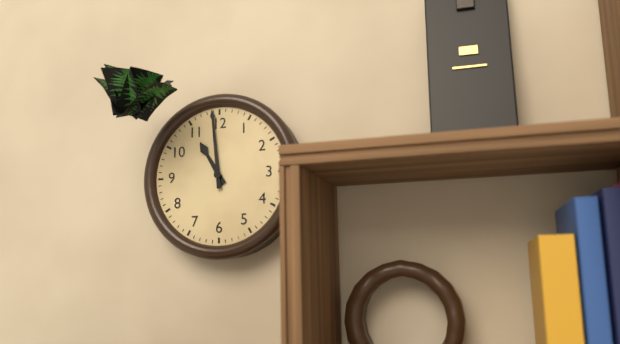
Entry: 10h59
